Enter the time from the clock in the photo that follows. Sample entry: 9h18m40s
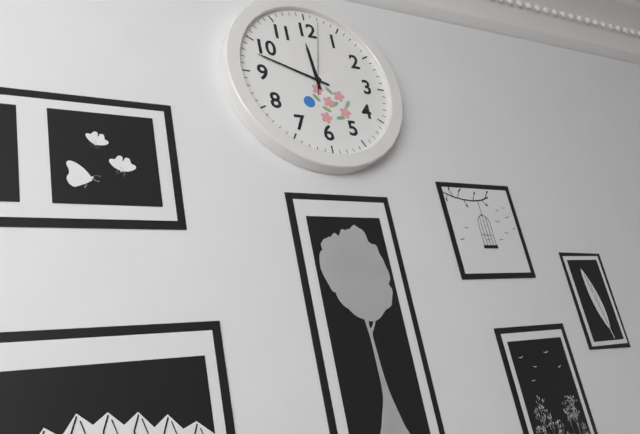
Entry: 11h48m02s
